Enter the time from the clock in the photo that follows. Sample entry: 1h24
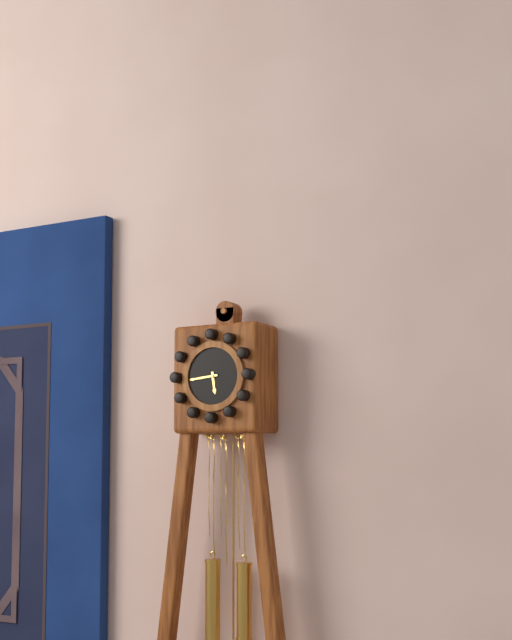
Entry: 5h44
